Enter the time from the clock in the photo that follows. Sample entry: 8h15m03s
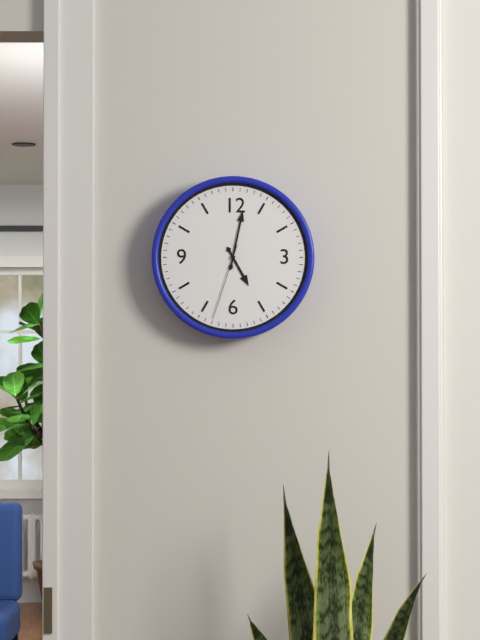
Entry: 5h02m33s
